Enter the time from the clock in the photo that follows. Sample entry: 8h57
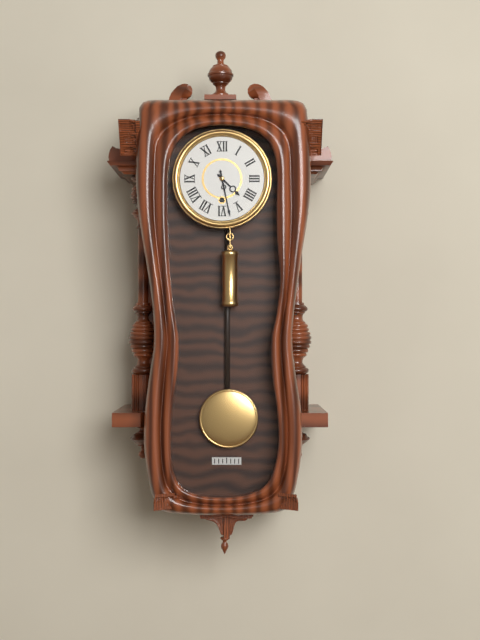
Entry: 4h28
